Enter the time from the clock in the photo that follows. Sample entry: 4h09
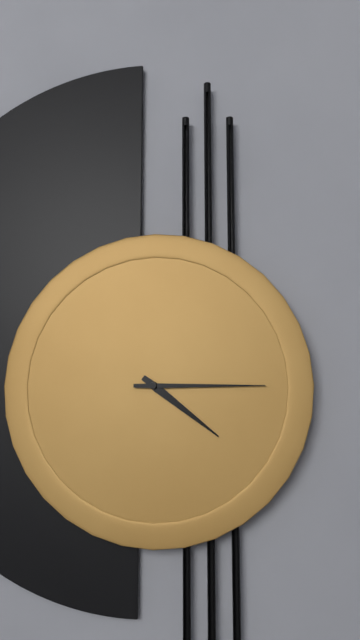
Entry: 4h15
